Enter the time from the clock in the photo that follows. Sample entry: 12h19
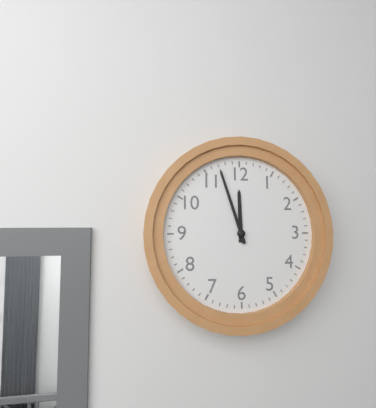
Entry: 11h57
